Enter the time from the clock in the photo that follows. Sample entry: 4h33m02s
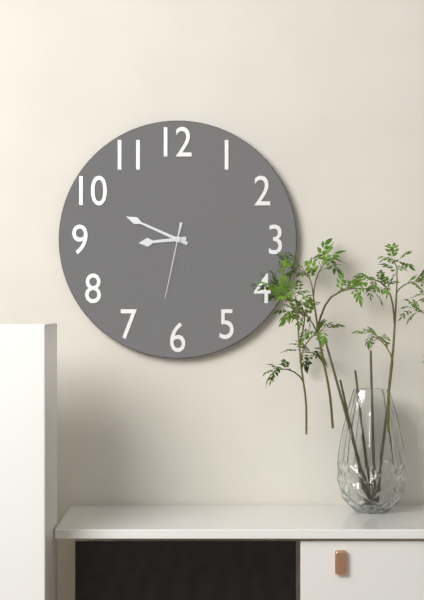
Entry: 8h49m32s
